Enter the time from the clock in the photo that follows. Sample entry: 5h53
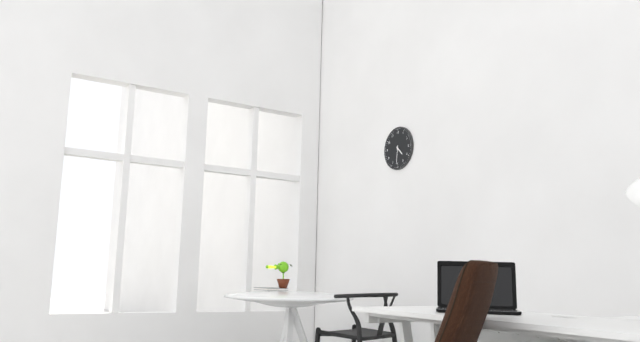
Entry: 4h31
